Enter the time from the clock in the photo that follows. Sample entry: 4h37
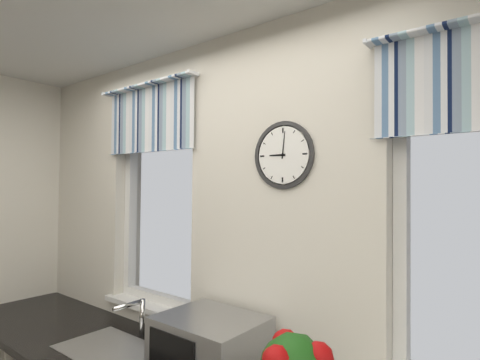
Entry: 9h01
